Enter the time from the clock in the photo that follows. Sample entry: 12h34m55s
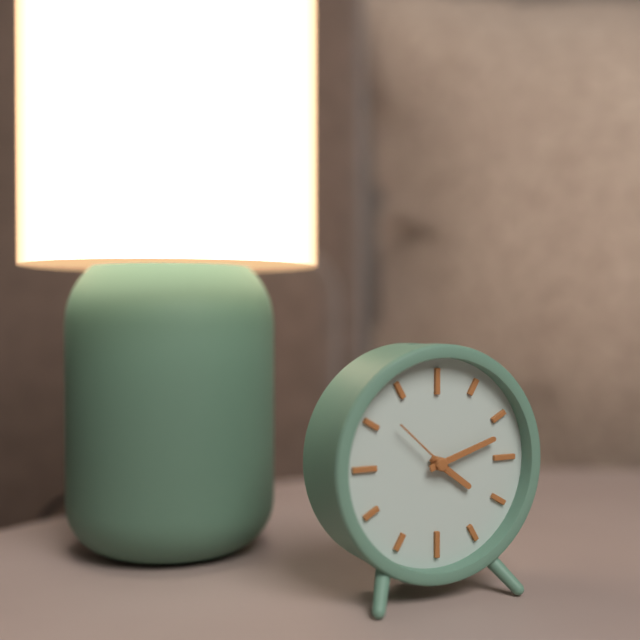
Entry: 4h12m52s
